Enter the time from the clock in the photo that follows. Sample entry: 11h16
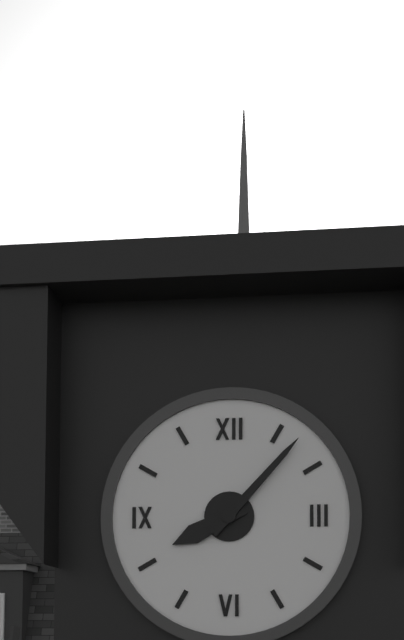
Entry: 8h07
